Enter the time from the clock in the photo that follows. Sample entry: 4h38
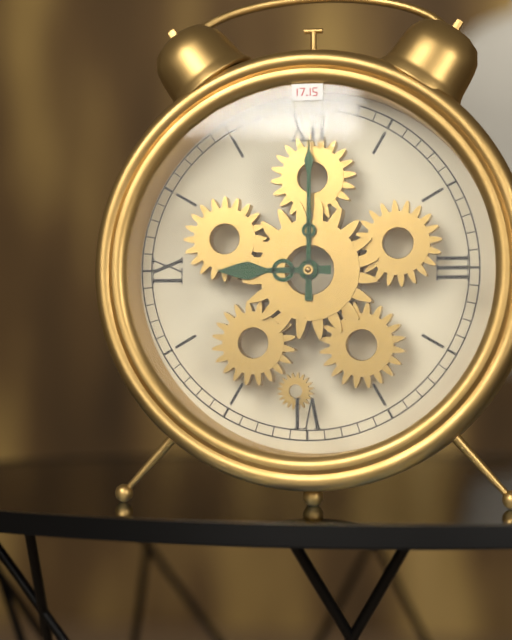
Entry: 9h00
